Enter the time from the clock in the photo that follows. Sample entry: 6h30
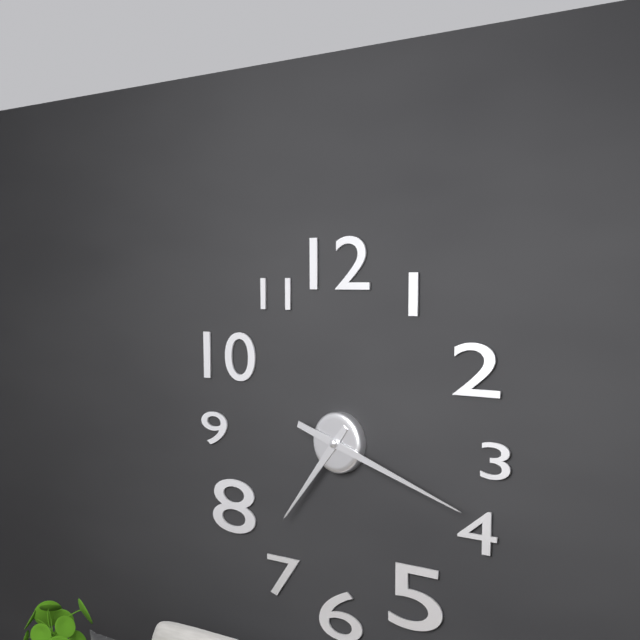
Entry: 7h18
